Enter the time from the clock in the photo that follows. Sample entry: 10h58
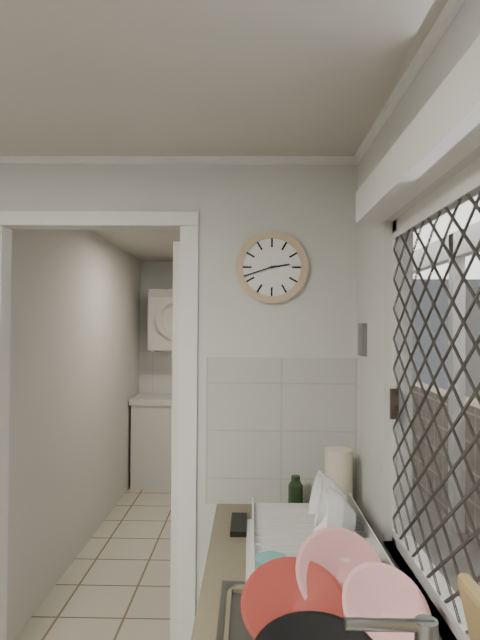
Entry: 2h42
